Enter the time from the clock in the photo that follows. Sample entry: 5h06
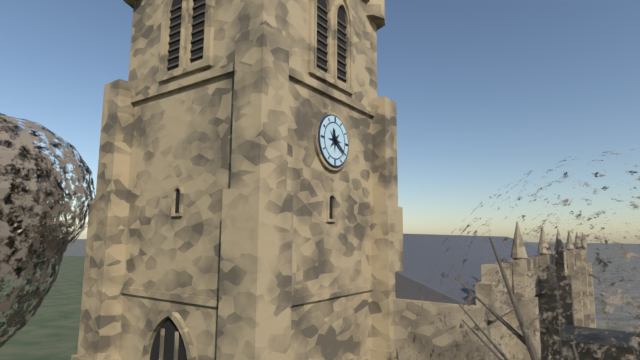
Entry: 11h21
